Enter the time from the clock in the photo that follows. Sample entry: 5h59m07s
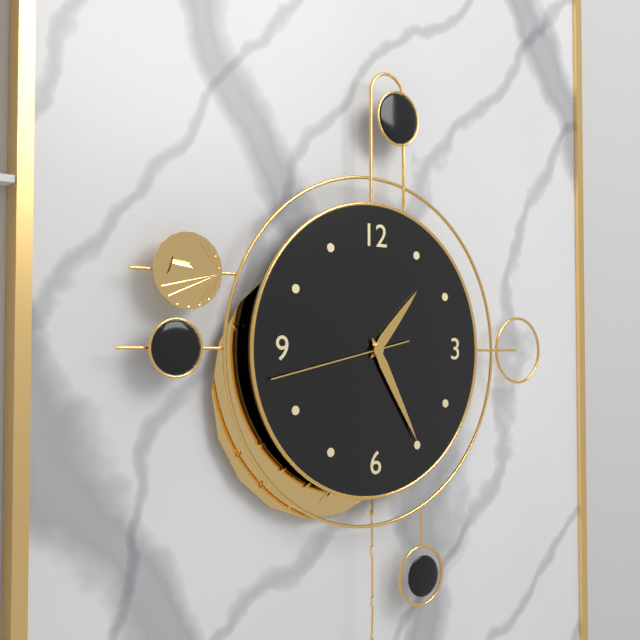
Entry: 1h25m43s
